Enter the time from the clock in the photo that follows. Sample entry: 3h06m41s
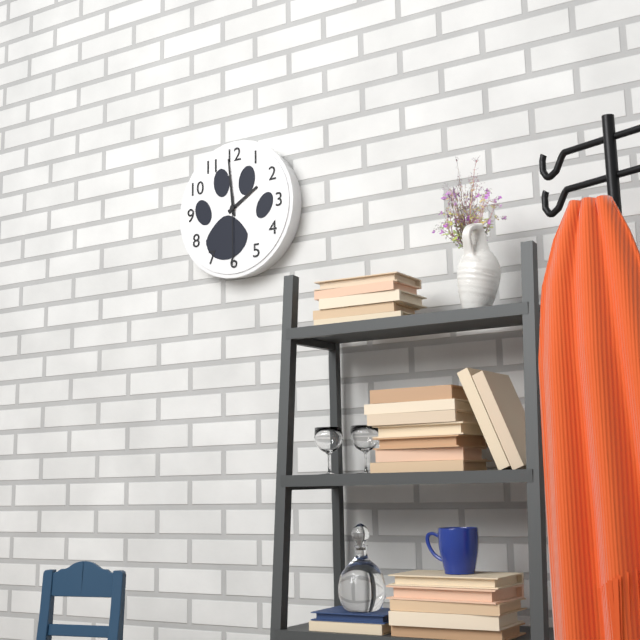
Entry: 1h59m30s
